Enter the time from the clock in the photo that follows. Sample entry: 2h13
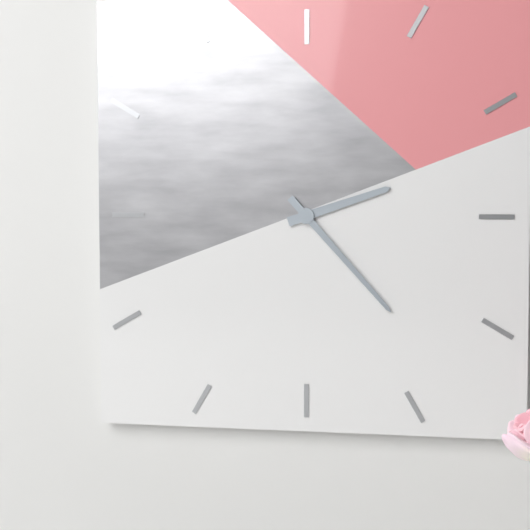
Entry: 2h23
